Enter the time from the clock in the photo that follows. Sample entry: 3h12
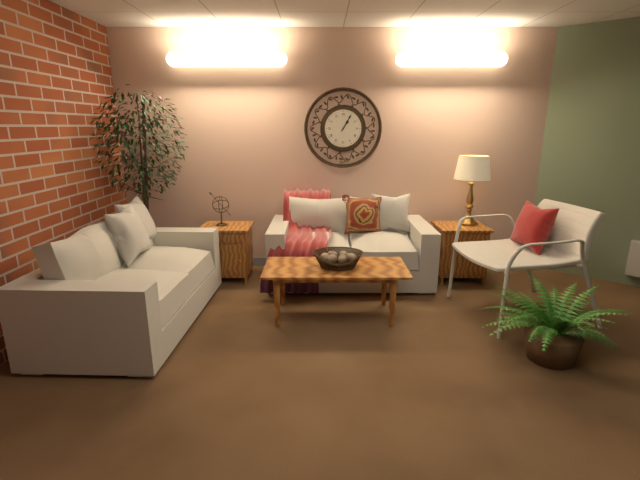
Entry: 1h05
